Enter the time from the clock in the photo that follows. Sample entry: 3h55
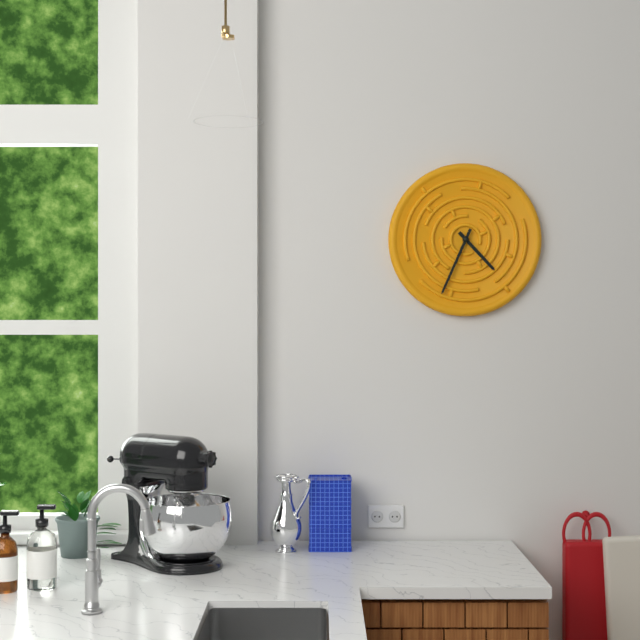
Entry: 4h34
